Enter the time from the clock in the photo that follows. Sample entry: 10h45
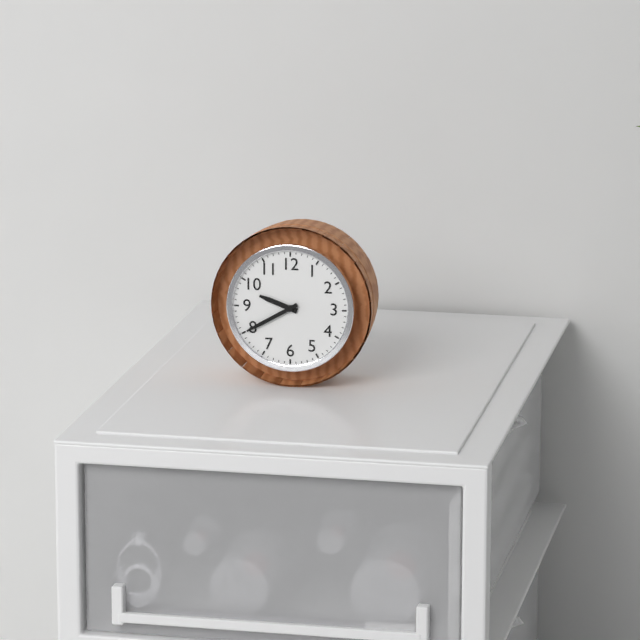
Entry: 9h40
